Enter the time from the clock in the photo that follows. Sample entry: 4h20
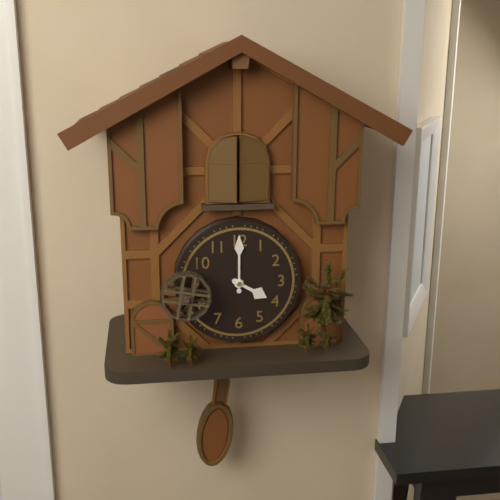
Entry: 4h00
